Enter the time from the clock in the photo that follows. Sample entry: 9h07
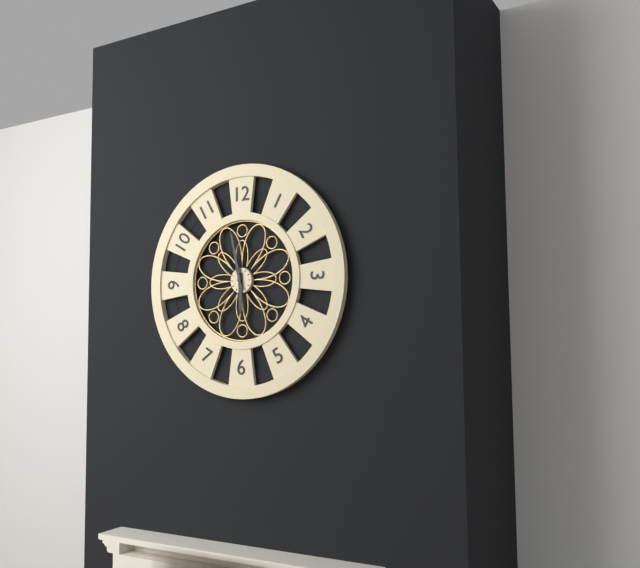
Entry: 5h58
